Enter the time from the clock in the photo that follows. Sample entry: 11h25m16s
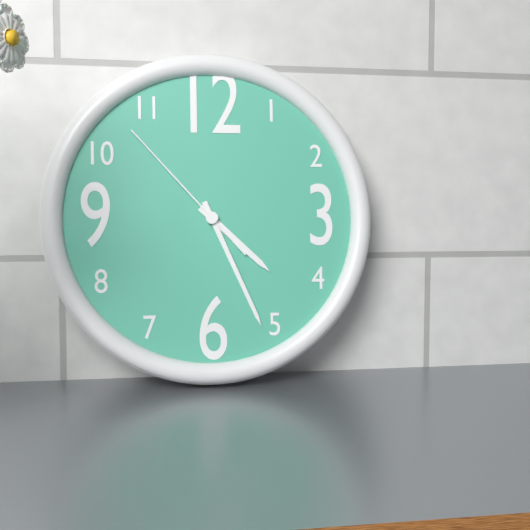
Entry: 4h26m53s
